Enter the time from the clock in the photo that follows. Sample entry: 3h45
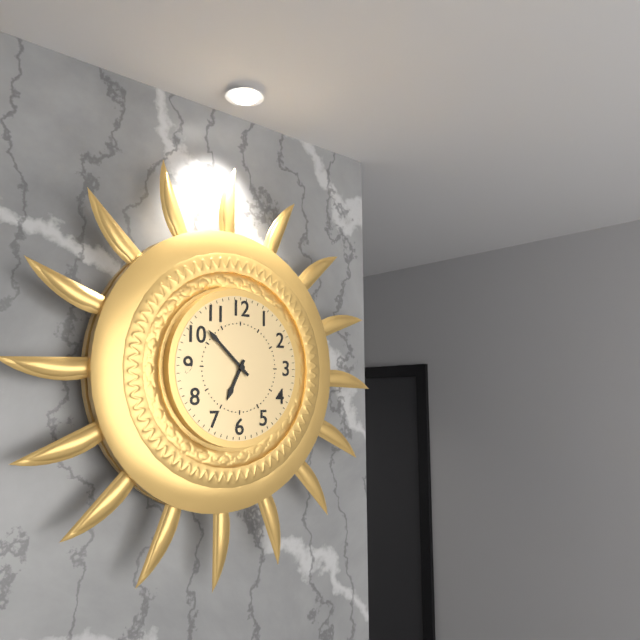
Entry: 6h52
